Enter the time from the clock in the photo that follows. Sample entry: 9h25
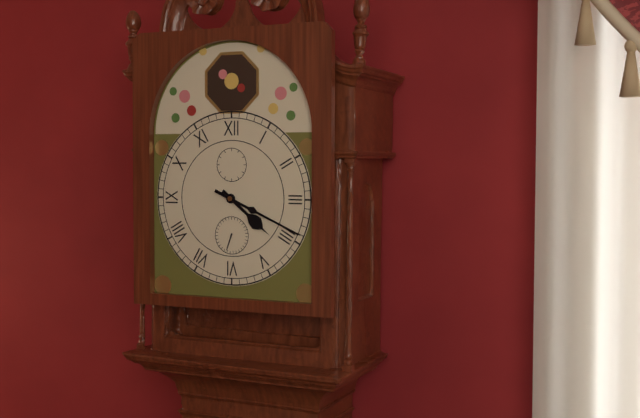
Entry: 4h19
